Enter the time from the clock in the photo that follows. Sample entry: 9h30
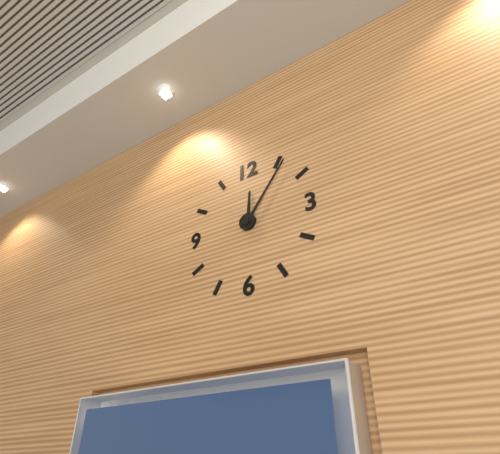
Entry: 12h06
